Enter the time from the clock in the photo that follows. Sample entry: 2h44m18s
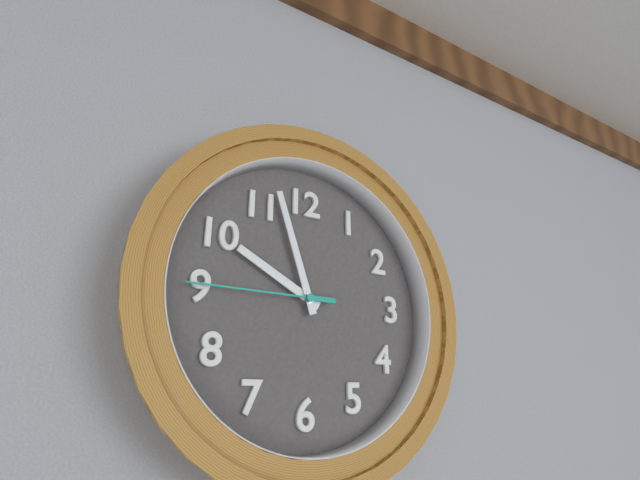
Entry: 9h57m45s
